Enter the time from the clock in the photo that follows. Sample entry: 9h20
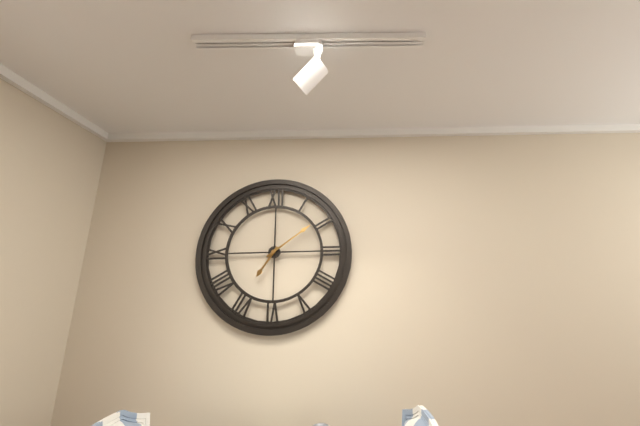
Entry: 7h09
